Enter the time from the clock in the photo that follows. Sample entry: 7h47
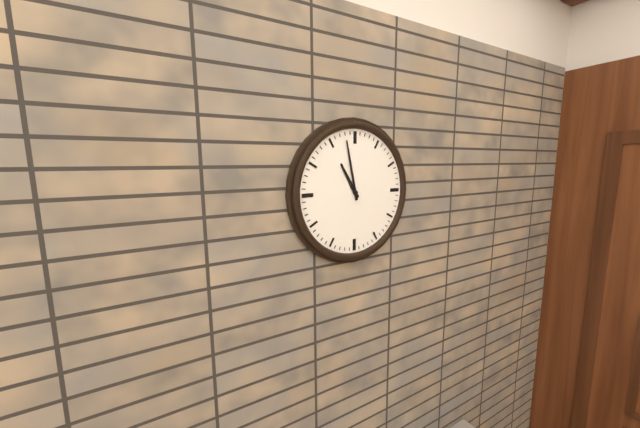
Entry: 10h58
